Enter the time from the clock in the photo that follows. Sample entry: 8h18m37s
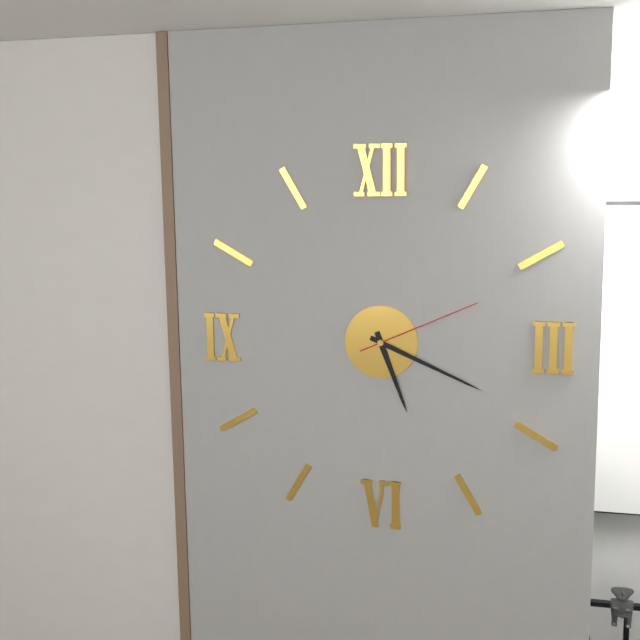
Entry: 5h19m11s
